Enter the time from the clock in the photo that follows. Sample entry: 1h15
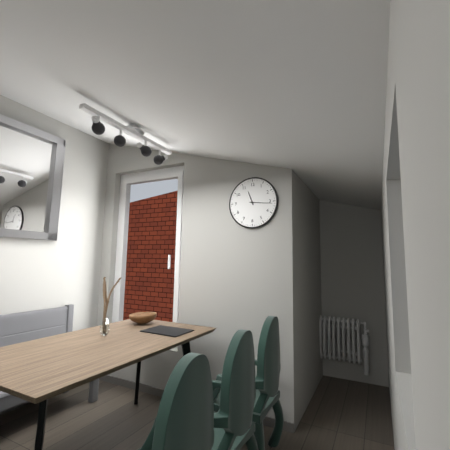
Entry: 11h16
